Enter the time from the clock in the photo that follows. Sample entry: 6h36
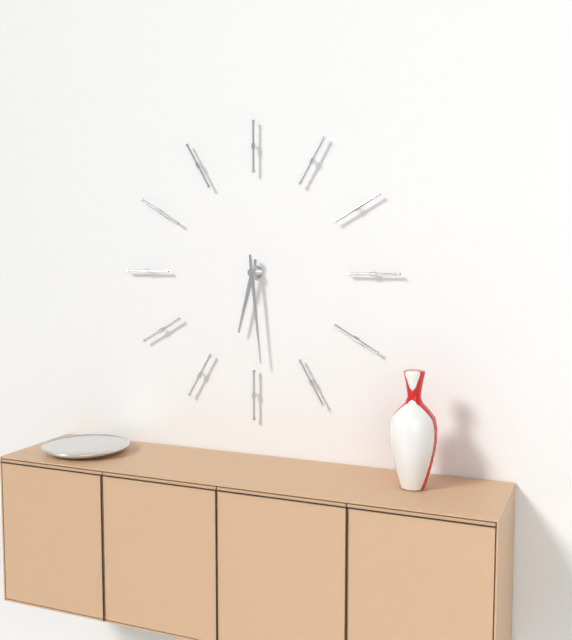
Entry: 6h29
